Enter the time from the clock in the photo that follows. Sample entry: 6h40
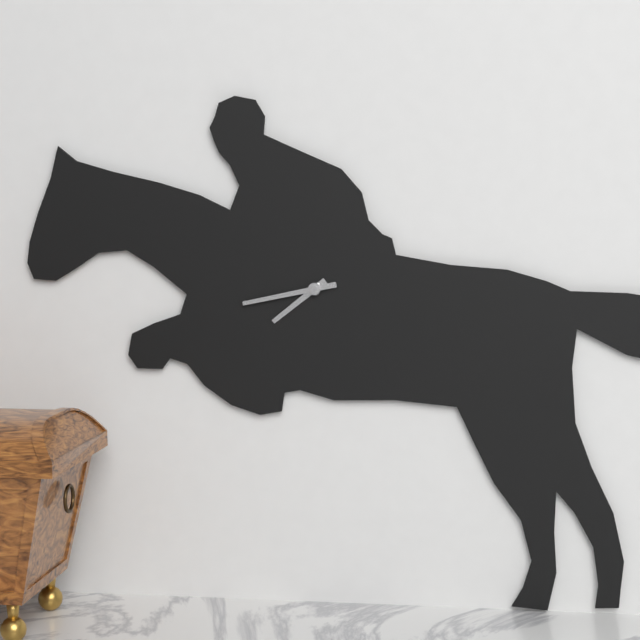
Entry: 7h43
